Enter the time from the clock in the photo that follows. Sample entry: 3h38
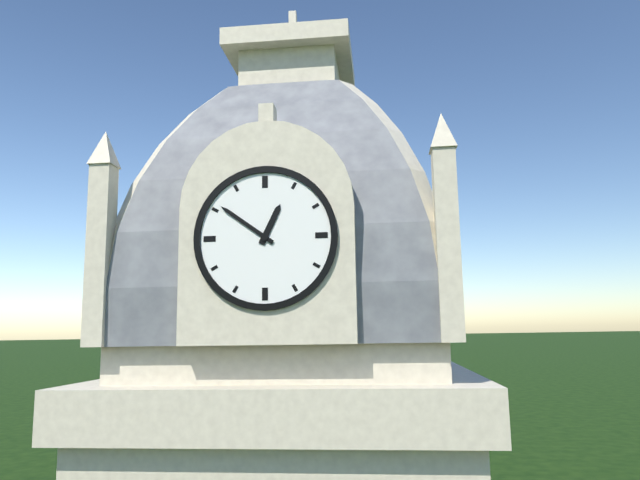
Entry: 12h51
